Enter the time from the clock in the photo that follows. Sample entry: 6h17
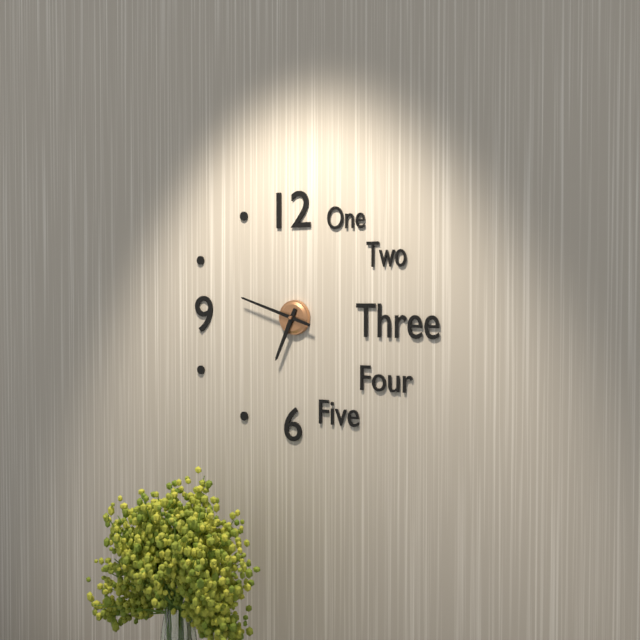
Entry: 6h48
